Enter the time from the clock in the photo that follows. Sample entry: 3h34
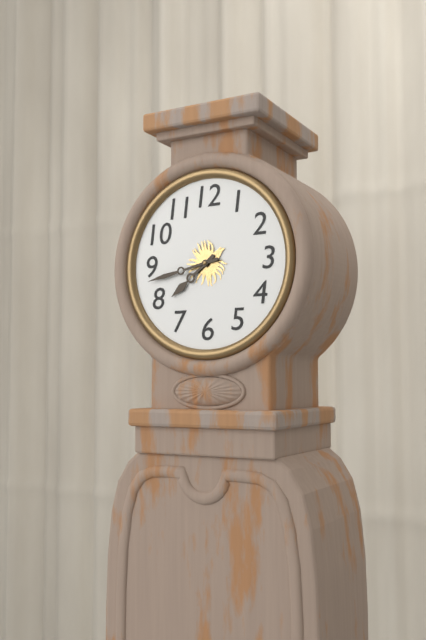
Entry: 7h43
